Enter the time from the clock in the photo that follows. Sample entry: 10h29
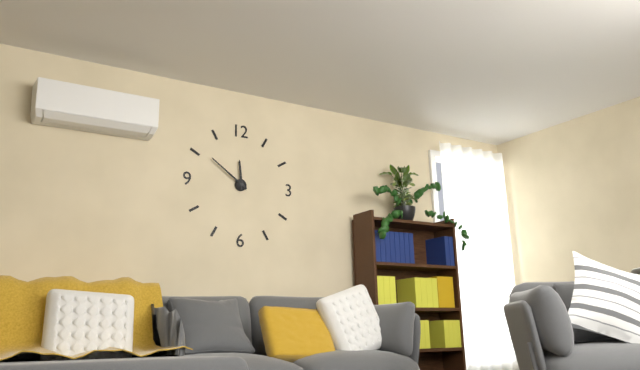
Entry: 11h51
